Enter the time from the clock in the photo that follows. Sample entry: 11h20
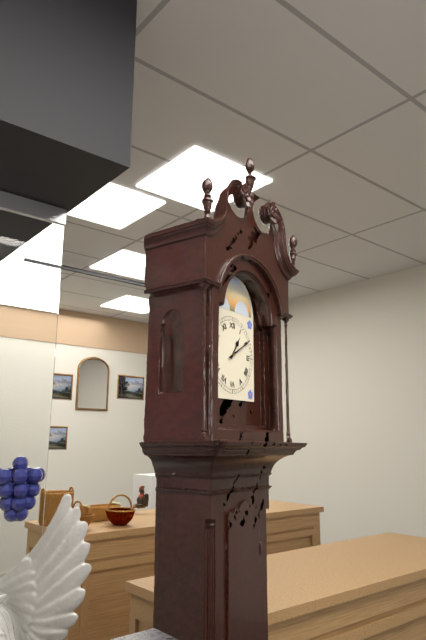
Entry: 1h10
